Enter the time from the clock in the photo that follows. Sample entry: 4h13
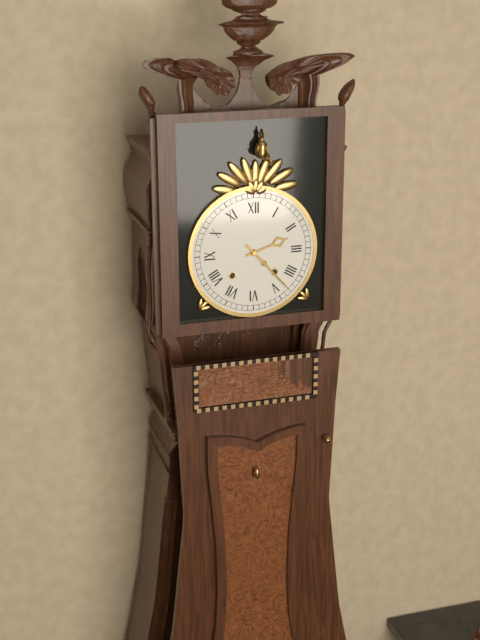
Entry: 2h23
